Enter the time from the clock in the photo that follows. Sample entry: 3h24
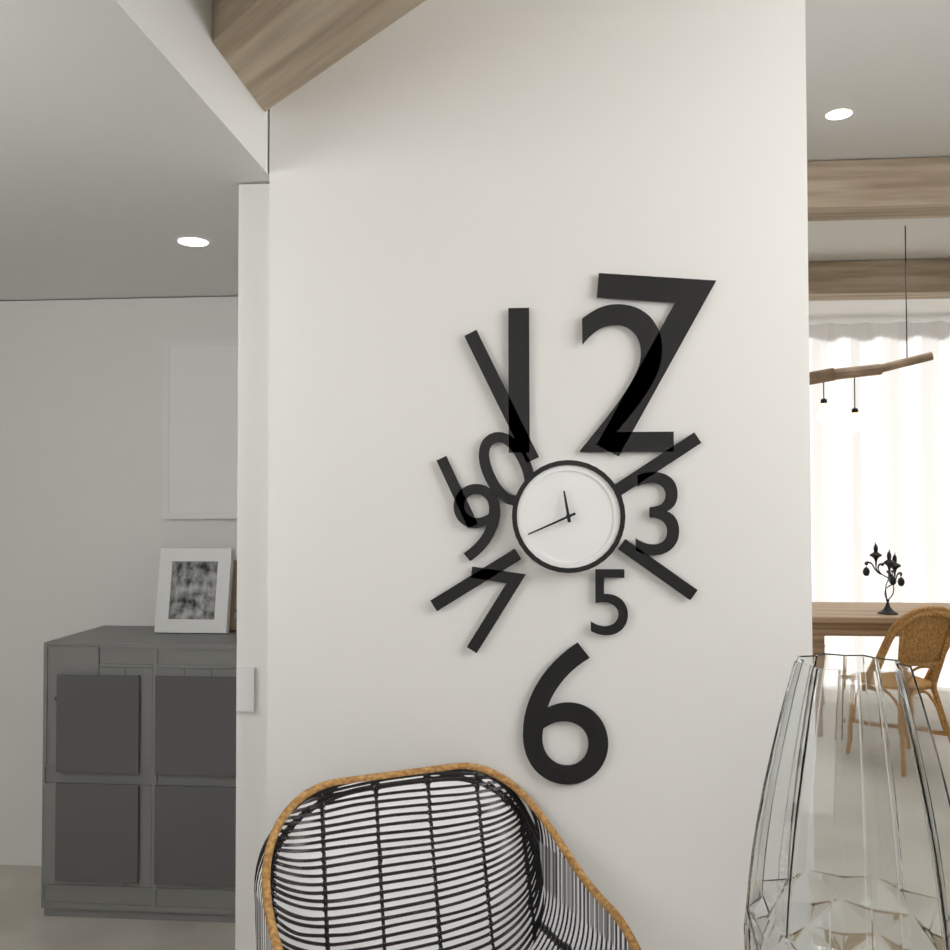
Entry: 11h41
